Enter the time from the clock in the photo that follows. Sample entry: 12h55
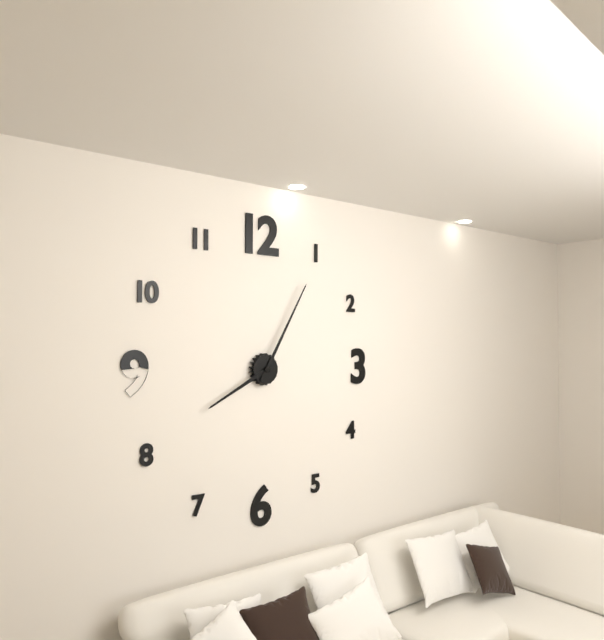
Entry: 8h05
